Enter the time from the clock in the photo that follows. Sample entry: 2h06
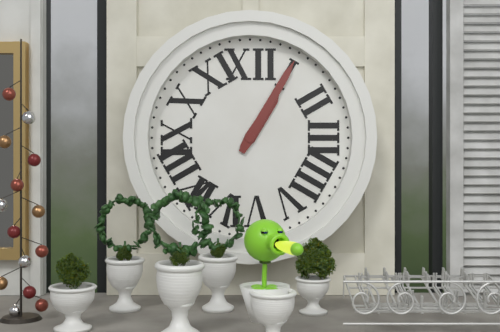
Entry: 1h05
